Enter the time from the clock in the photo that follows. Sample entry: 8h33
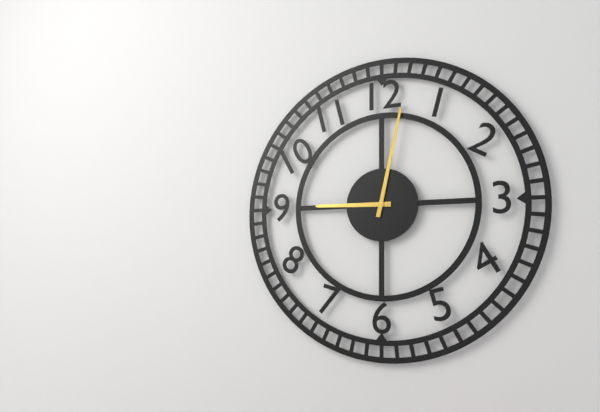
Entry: 9h02
